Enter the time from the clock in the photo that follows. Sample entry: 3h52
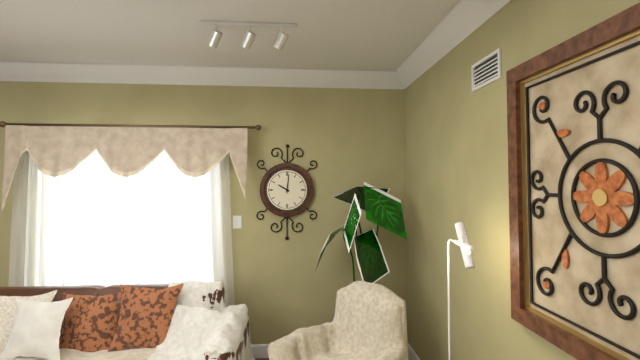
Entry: 10h01
